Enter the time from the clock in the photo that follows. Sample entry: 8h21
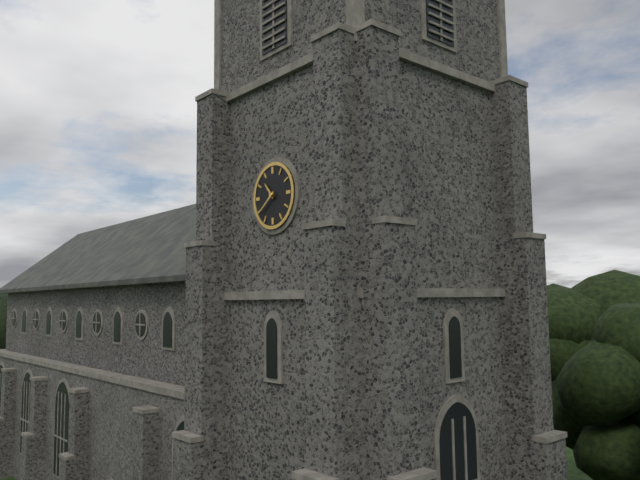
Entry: 10h39
